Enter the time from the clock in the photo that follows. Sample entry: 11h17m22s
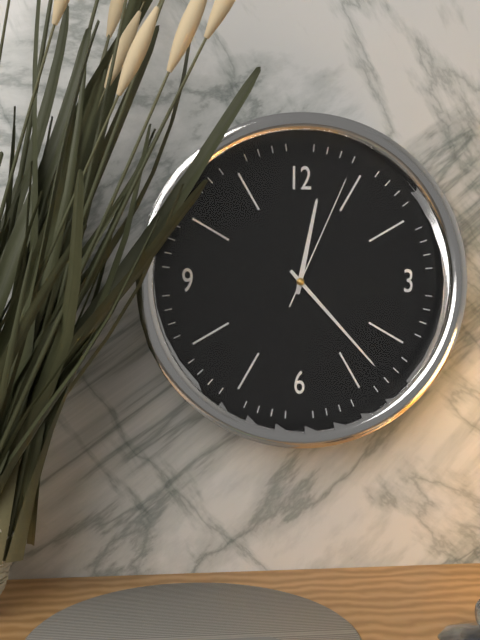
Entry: 12h23m04s
